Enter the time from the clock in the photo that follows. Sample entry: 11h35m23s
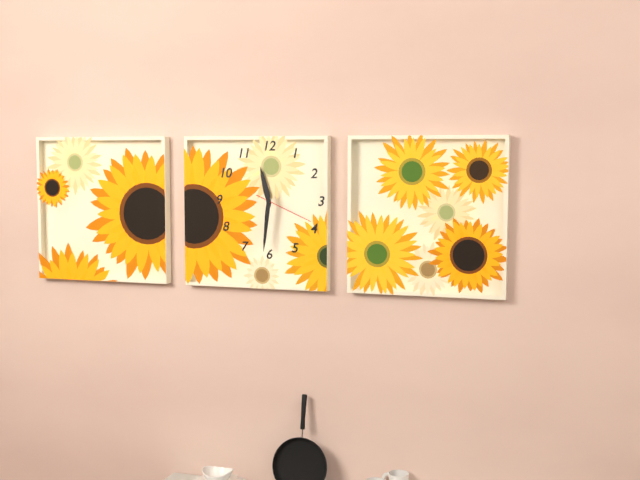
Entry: 11h31m19s
